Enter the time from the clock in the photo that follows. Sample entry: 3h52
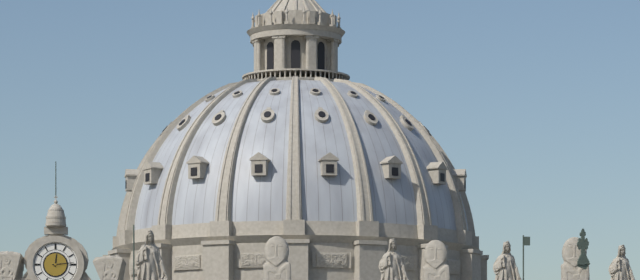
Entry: 12h14
